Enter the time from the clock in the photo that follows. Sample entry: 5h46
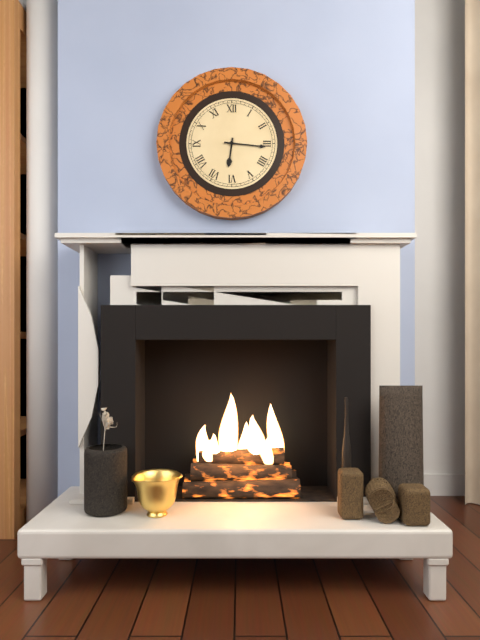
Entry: 6h16
